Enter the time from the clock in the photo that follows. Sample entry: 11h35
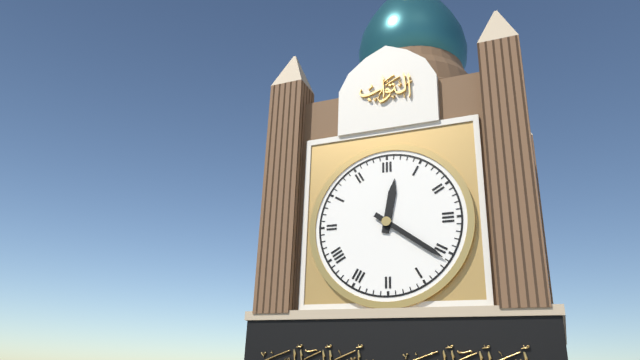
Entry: 12h21
